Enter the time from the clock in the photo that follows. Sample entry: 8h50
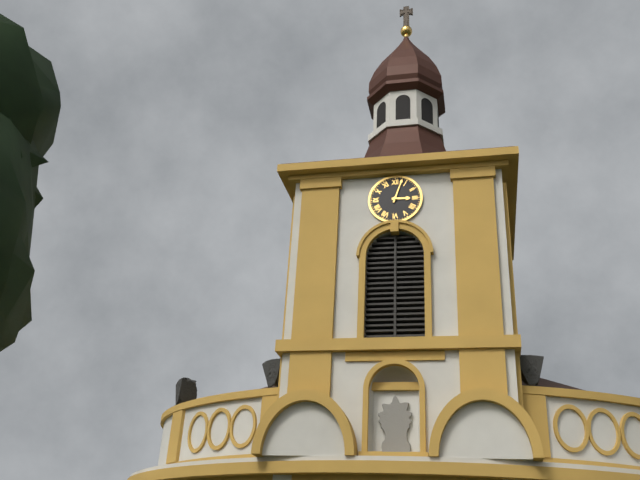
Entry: 3h03
